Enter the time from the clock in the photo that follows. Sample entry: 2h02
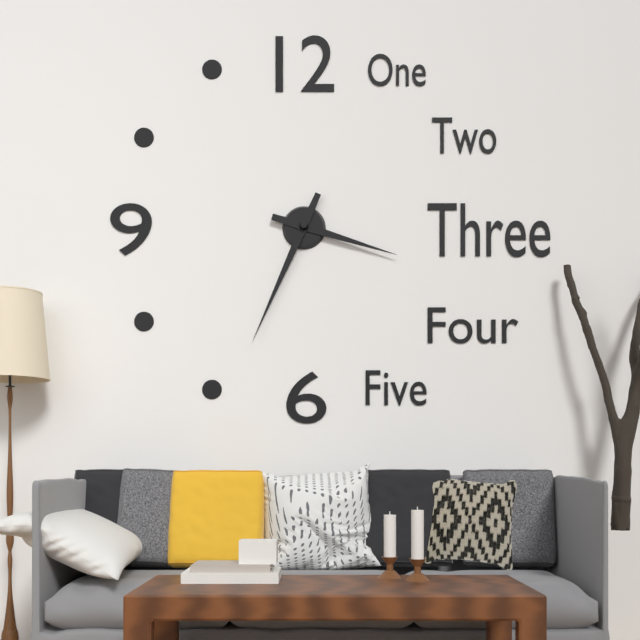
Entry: 3h34
